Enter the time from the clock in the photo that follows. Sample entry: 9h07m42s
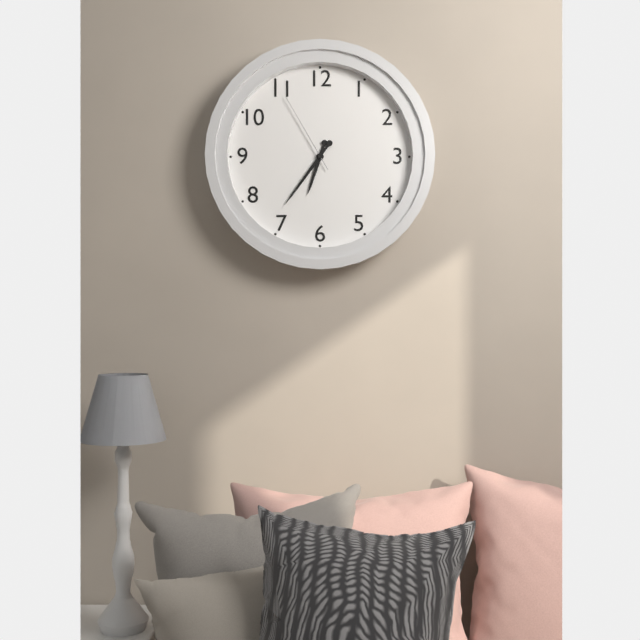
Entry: 6h36m55s
